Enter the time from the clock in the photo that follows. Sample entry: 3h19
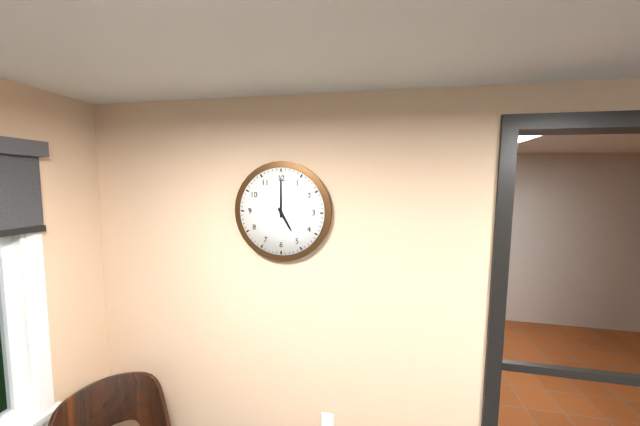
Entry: 5h00
